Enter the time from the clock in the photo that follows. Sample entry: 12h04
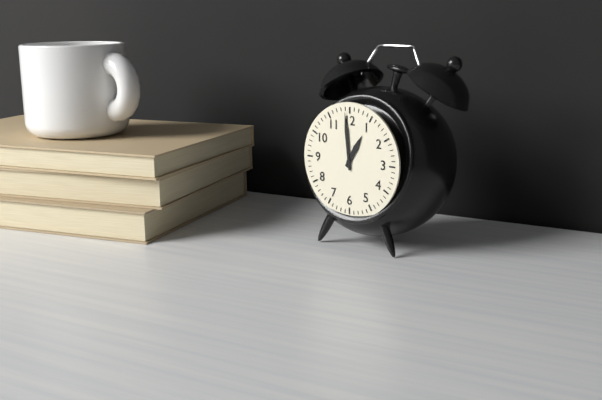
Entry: 12h59
